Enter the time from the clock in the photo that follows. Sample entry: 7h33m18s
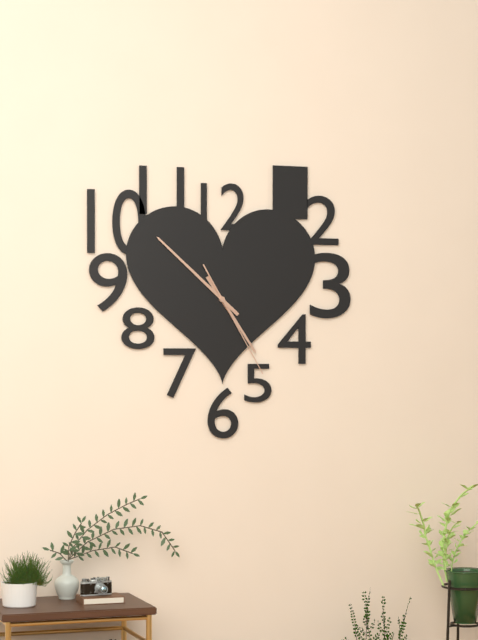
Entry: 4h52m25s
